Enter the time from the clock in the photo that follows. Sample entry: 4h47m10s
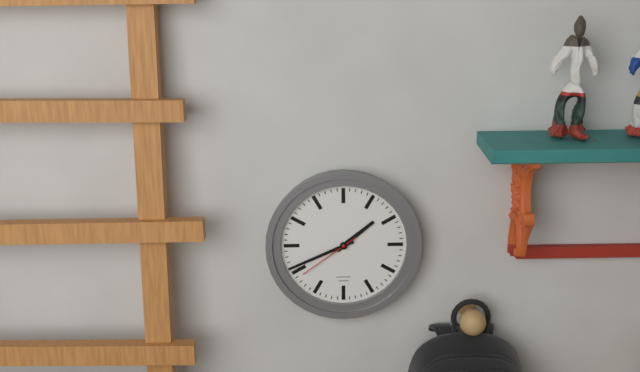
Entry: 1h41m39s
